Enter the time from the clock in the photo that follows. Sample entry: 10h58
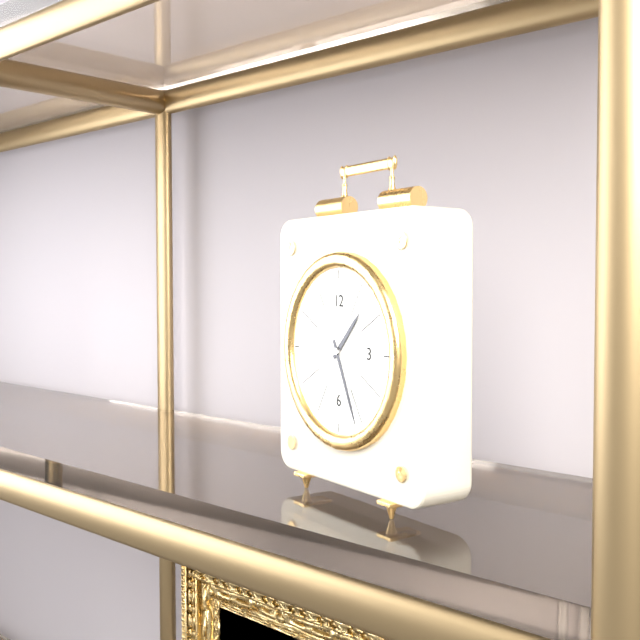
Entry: 1h26
